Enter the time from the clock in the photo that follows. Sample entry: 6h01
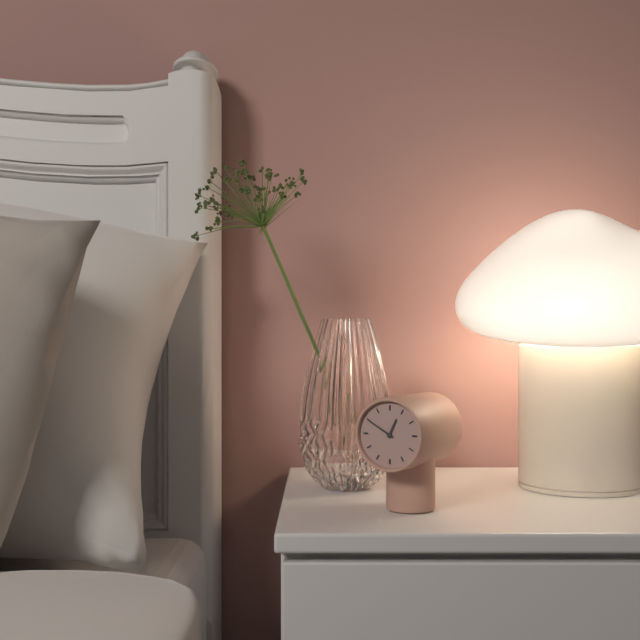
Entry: 12h50
